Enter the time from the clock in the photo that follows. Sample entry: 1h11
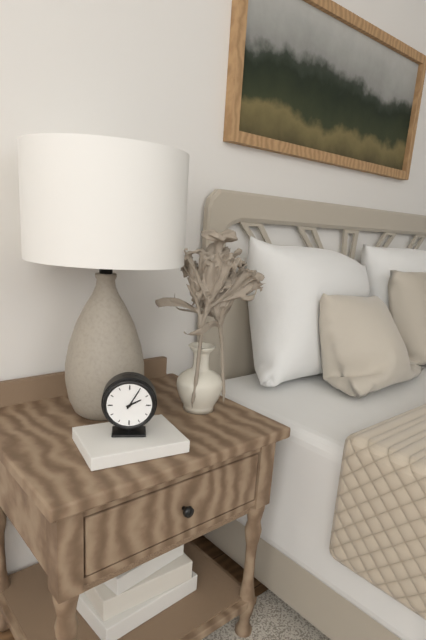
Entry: 2h05
